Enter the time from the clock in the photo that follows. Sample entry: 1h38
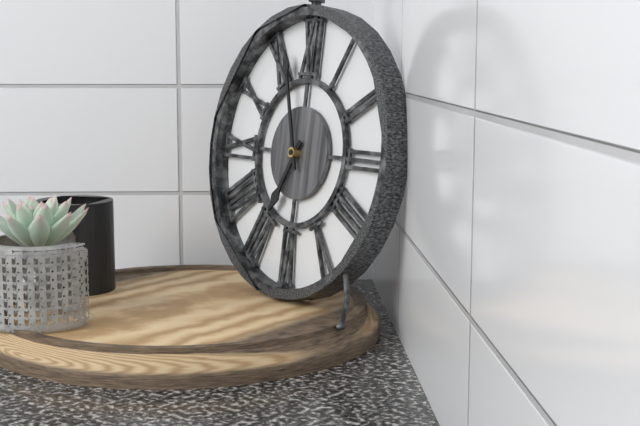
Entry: 6h57
